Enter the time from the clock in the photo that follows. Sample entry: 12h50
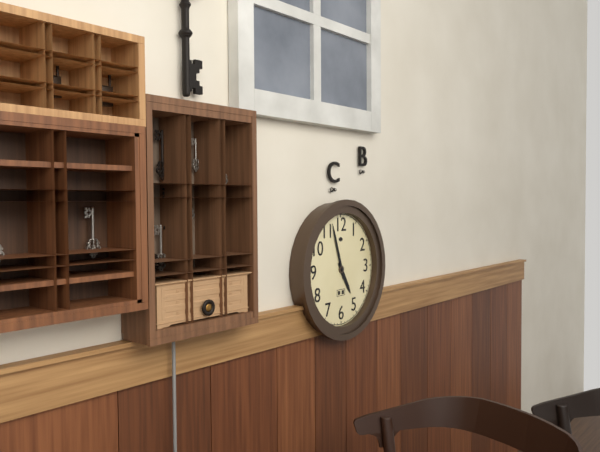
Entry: 4h57
